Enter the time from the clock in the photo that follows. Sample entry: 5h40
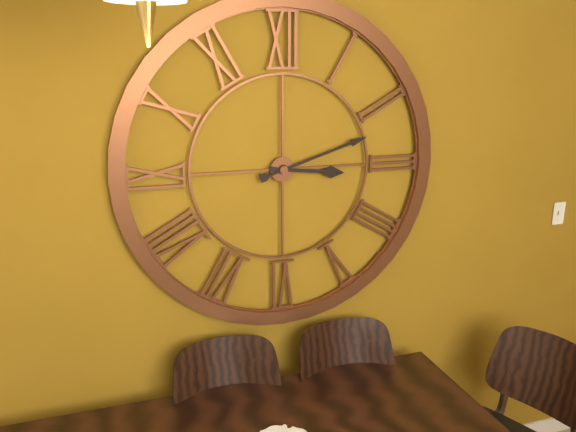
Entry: 3h12
